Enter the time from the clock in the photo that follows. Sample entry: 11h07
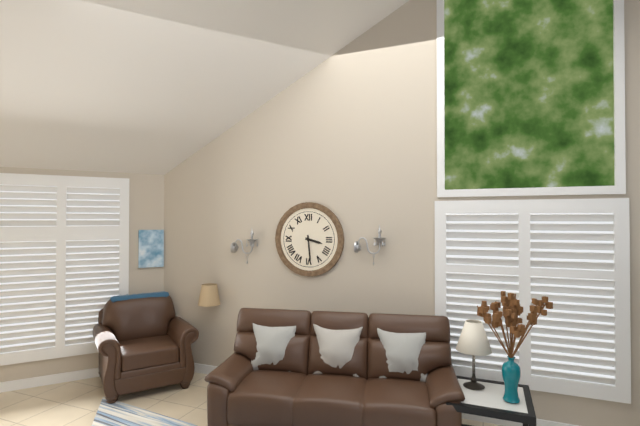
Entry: 3h29
